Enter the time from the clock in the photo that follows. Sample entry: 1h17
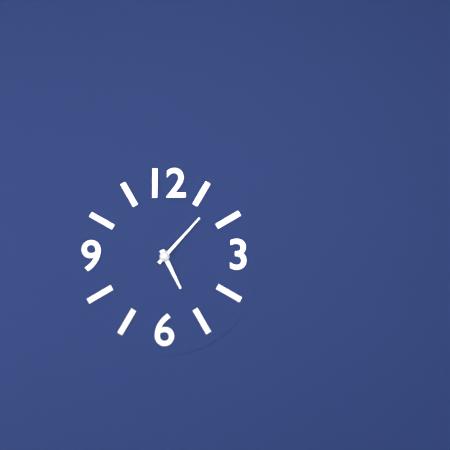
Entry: 5h07
